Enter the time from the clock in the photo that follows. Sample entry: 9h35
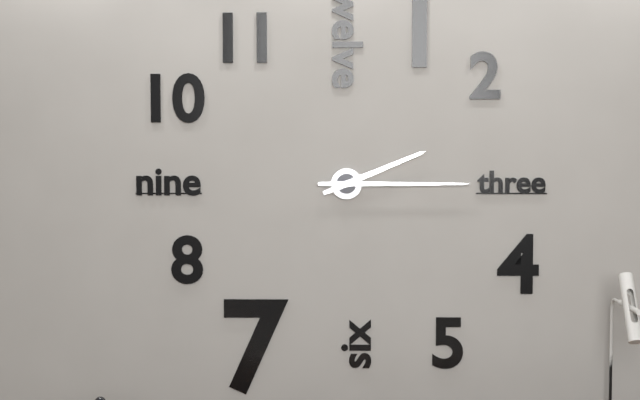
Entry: 2h15
